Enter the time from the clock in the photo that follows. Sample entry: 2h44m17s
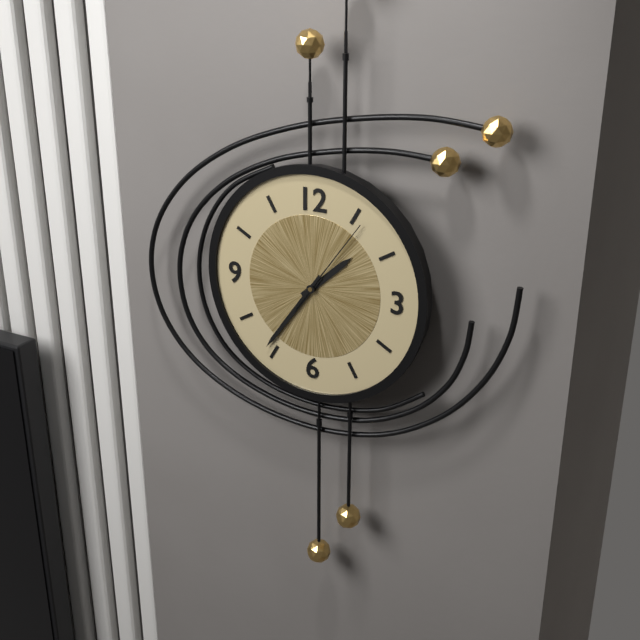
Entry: 1h36m06s
